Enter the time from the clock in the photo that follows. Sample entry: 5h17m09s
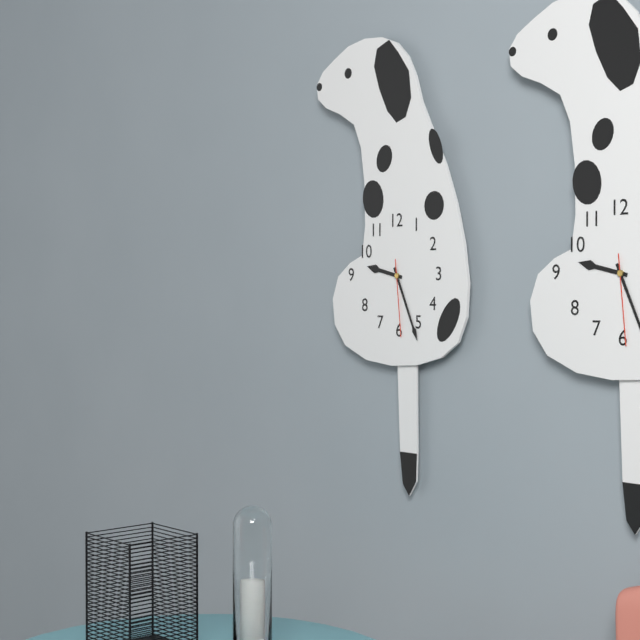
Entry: 9h26m29s
